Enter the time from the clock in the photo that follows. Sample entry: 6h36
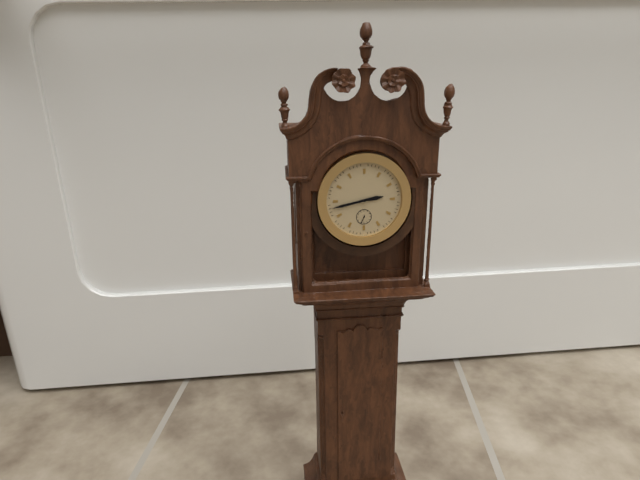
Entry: 2h43
